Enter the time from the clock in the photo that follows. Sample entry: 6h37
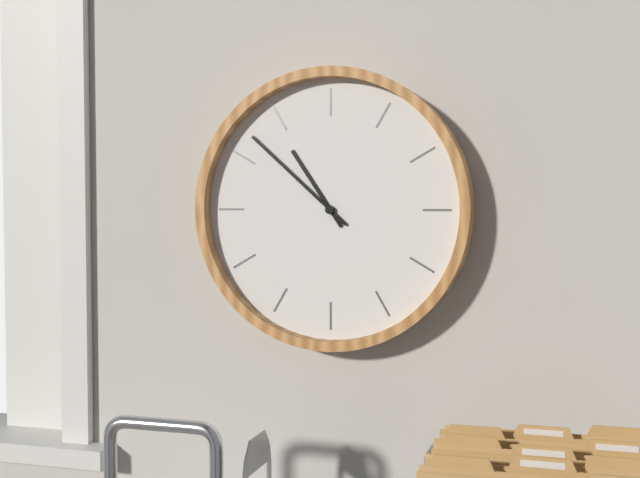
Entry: 10h52
